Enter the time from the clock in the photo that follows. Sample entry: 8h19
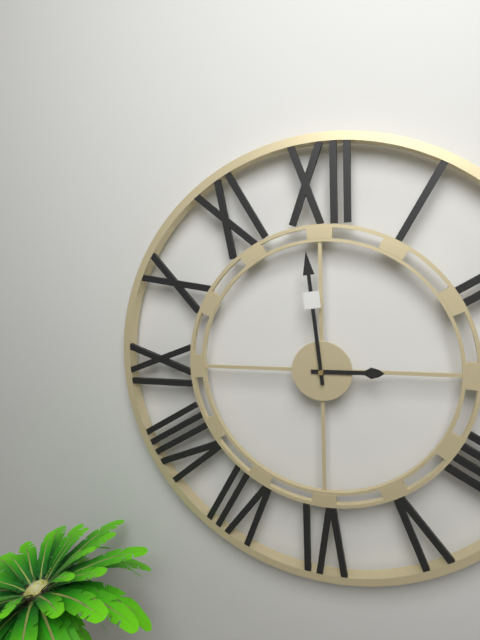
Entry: 2h59
